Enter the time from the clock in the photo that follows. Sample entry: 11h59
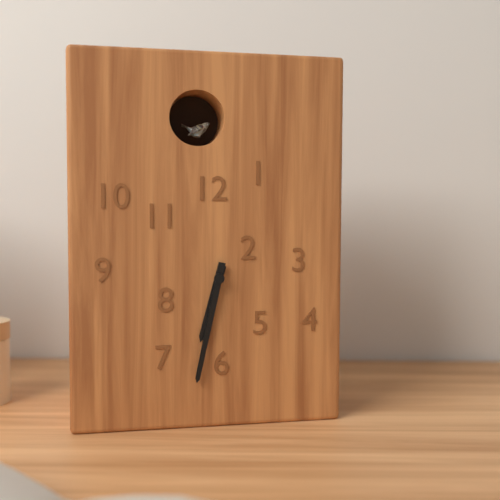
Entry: 6h32
